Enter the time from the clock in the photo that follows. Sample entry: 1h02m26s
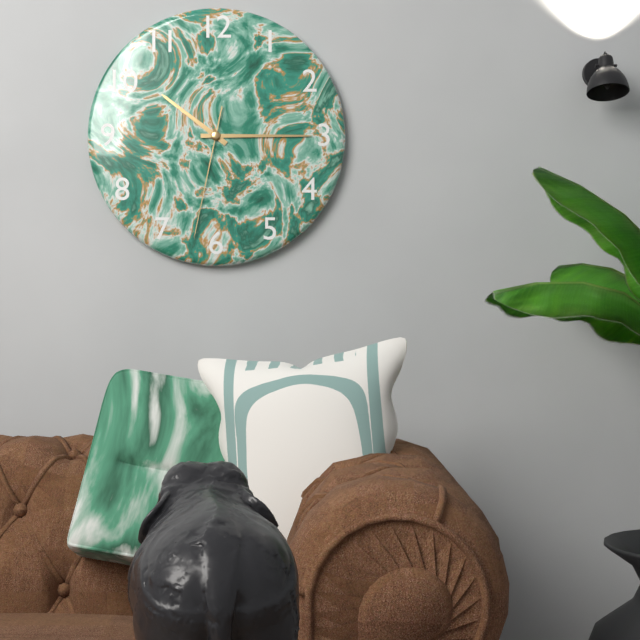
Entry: 10h15m32s
